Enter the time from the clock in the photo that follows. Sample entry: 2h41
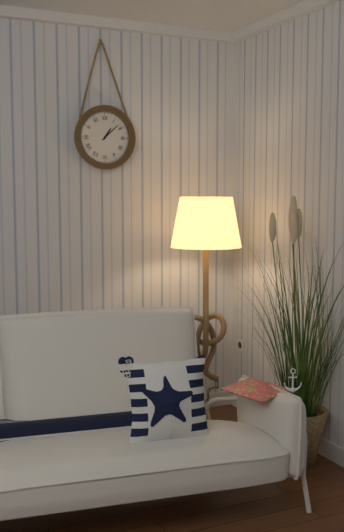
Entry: 1h08
